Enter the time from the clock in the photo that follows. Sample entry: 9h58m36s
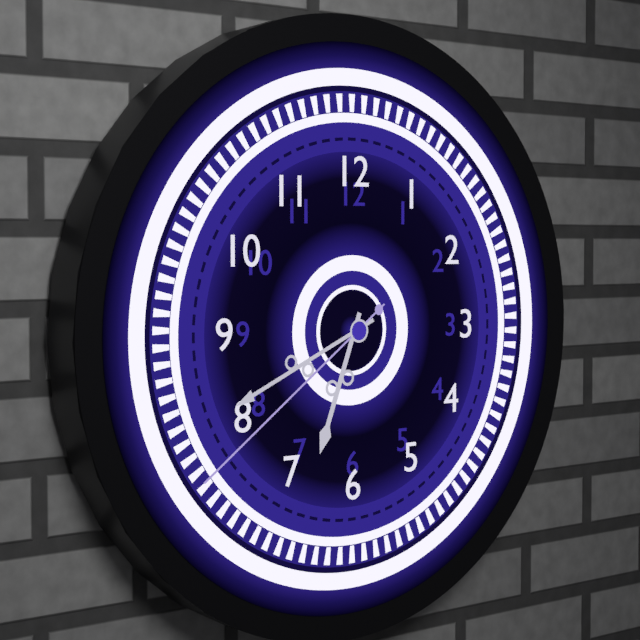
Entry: 6h41m39s
